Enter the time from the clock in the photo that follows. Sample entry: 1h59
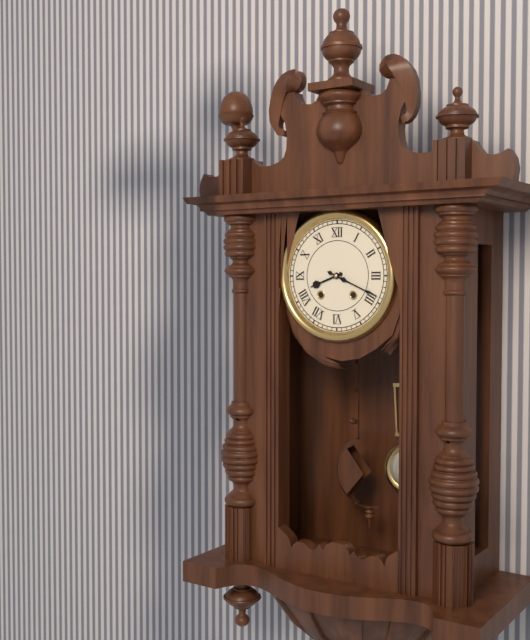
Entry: 8h19
